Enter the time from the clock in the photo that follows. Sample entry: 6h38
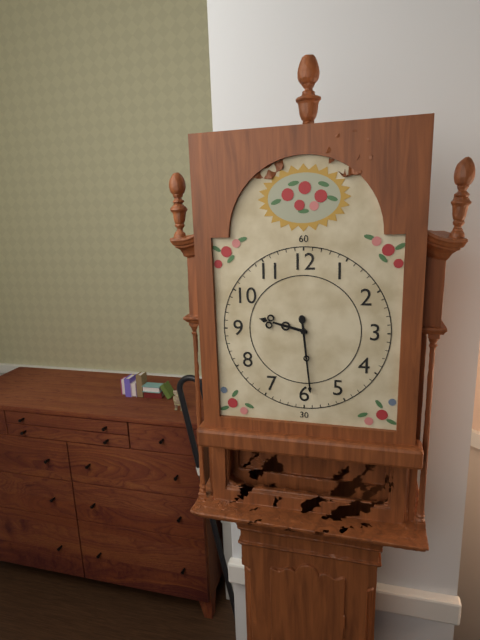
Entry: 9h29
